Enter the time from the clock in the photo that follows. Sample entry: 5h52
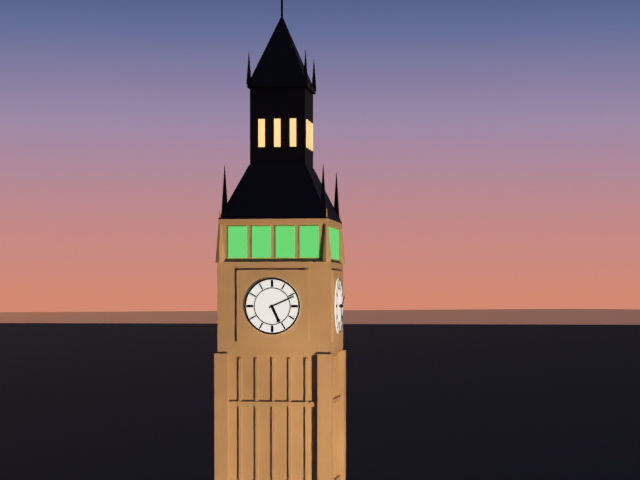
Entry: 5h11
